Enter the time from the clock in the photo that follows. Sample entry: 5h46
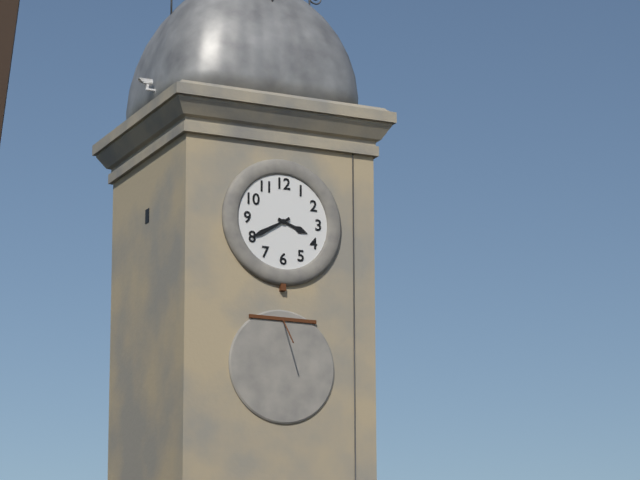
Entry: 3h40
